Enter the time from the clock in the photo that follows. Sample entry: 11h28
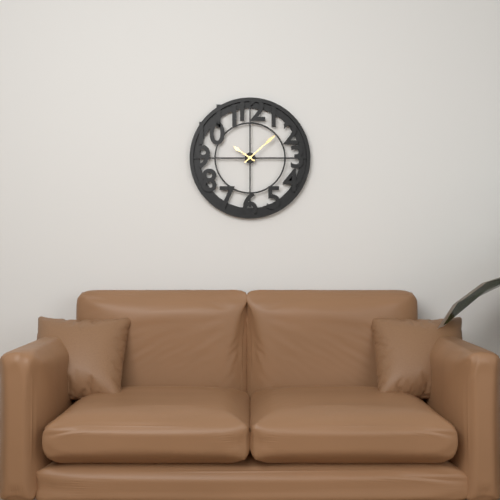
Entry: 10h08
